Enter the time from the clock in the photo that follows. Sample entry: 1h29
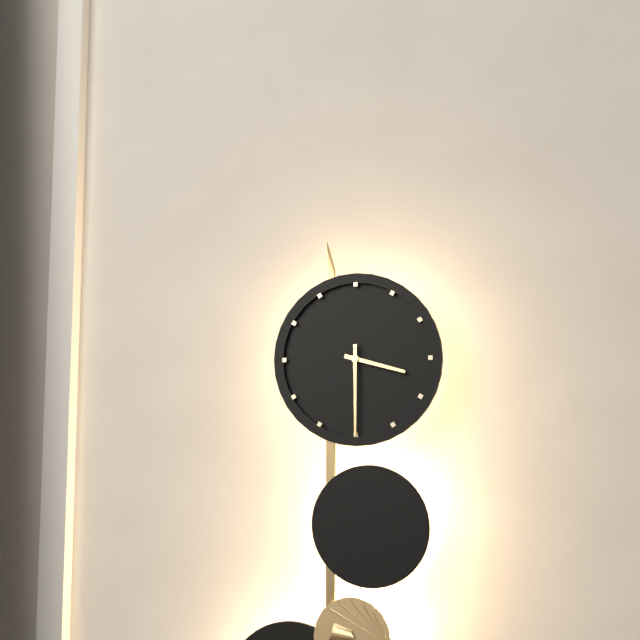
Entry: 3h30
